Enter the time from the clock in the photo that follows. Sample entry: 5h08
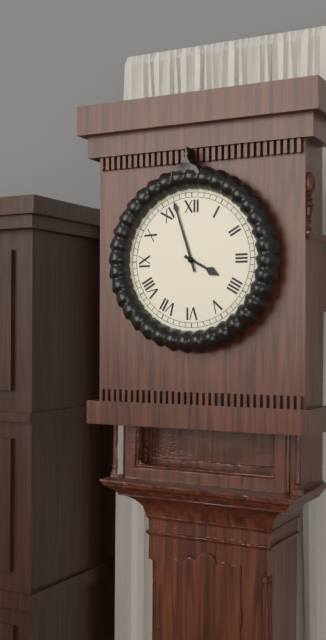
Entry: 3h57
